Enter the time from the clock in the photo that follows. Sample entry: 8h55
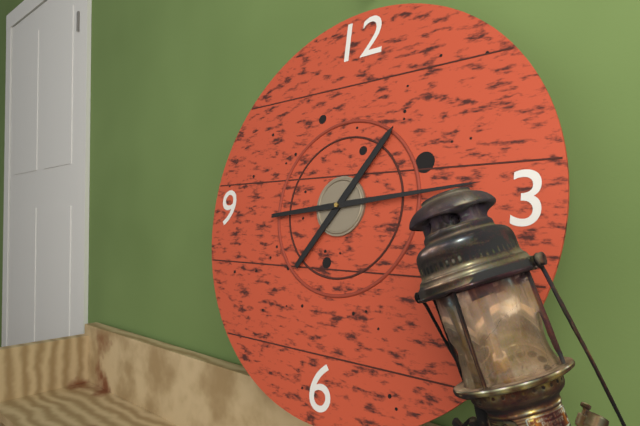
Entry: 1h14
